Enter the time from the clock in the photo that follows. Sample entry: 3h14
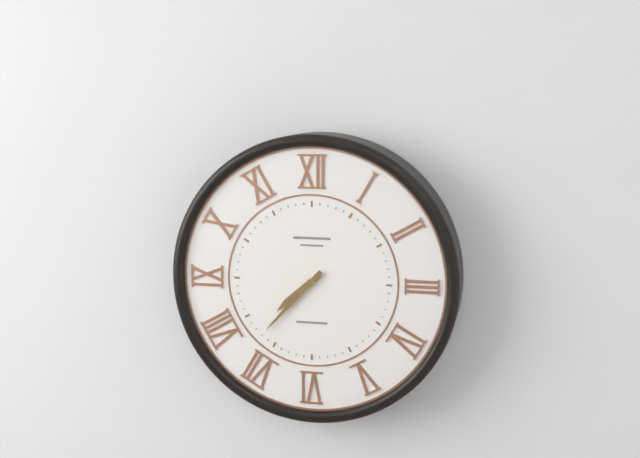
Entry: 7h37
